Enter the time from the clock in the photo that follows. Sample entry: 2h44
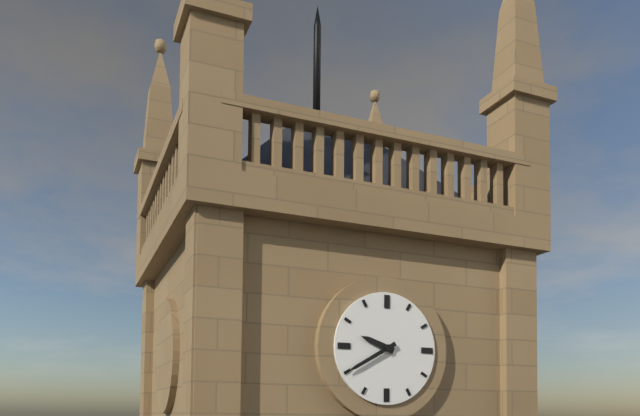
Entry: 9h40
